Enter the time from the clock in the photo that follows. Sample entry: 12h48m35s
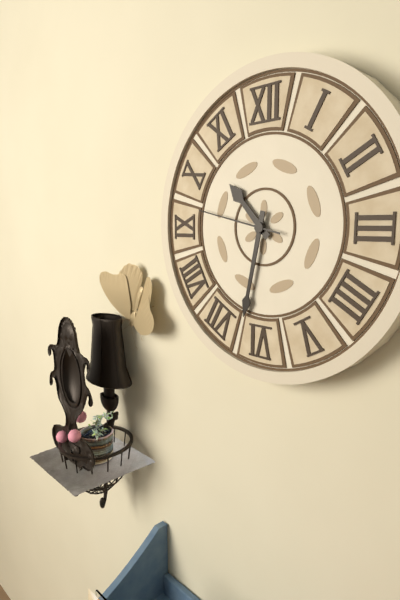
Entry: 10h32m47s
